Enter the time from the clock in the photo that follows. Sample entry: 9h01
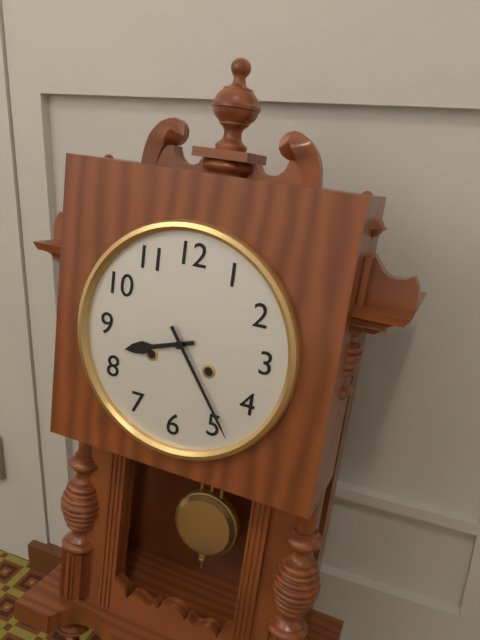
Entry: 8h24
